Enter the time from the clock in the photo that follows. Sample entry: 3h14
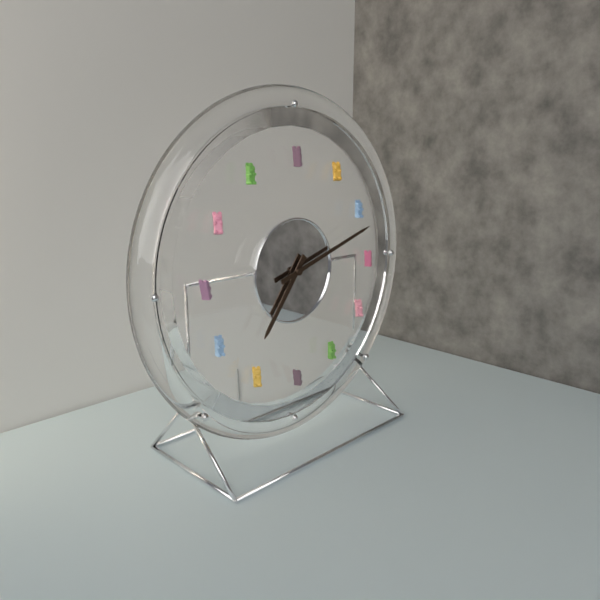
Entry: 7h12
